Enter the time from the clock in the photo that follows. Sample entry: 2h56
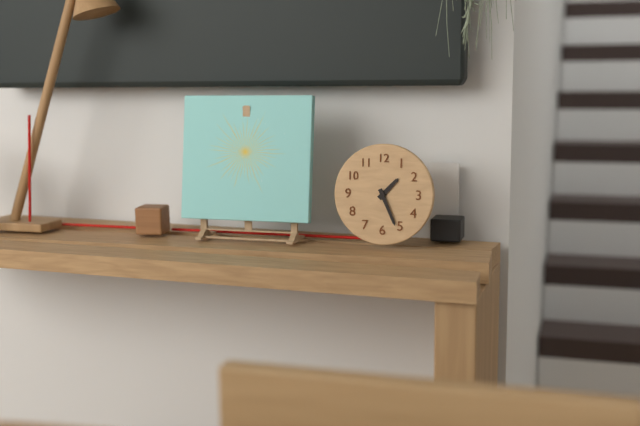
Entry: 1h26
